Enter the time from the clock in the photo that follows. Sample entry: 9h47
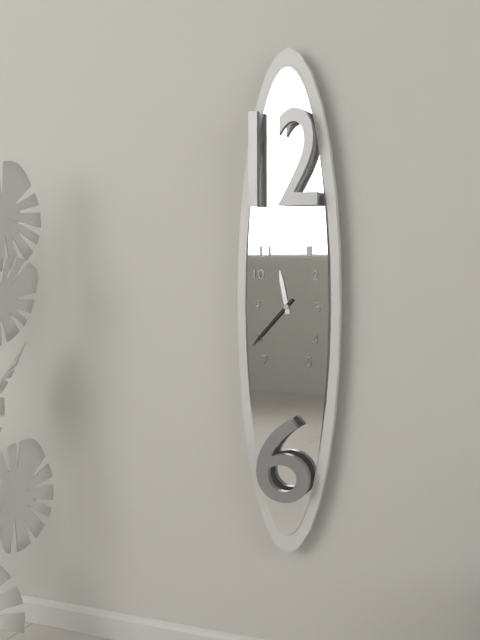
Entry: 11h37
